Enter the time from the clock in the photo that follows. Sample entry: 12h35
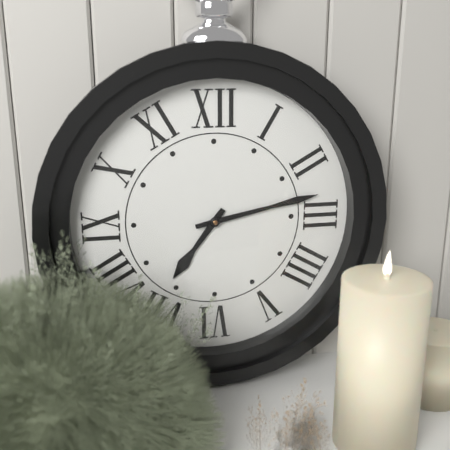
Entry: 7h13
